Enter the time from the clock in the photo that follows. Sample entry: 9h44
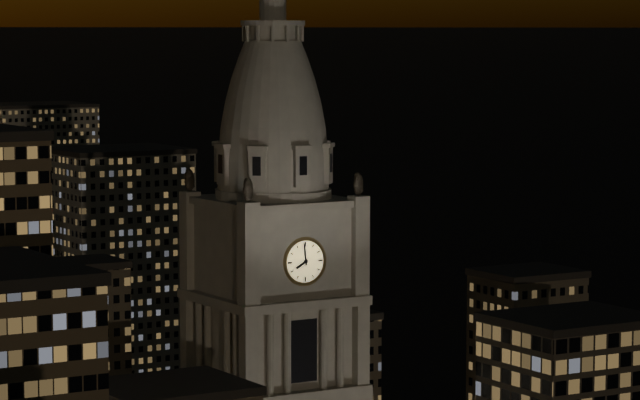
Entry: 7h59
